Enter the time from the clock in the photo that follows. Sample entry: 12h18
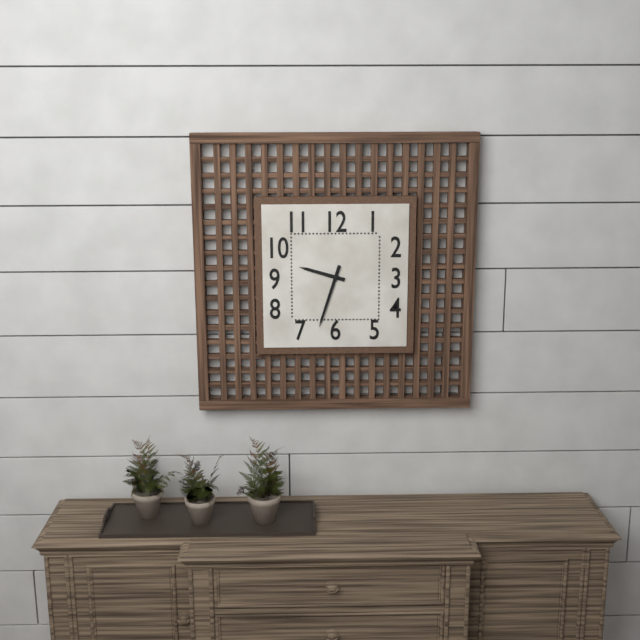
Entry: 9h33
